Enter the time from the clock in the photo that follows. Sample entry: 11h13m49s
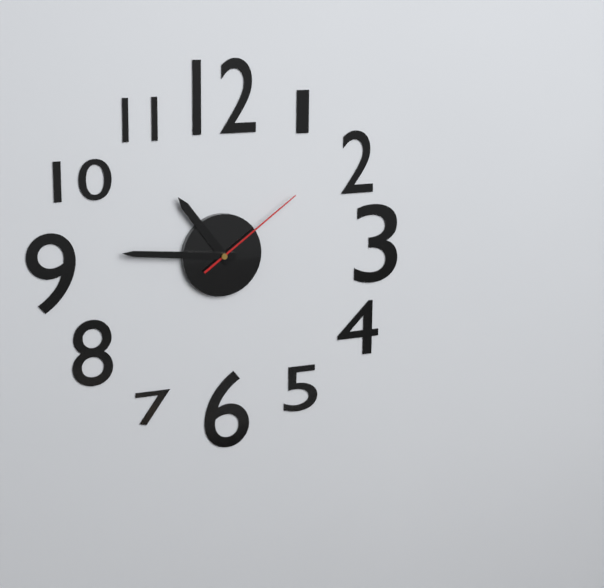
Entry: 10h46m09s
